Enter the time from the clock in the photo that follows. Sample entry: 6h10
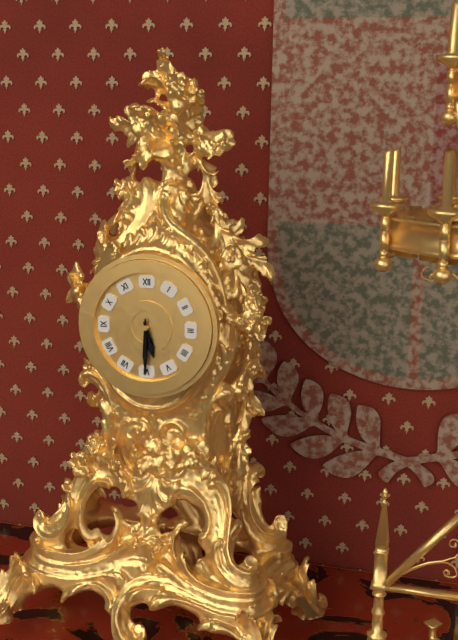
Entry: 5h30
